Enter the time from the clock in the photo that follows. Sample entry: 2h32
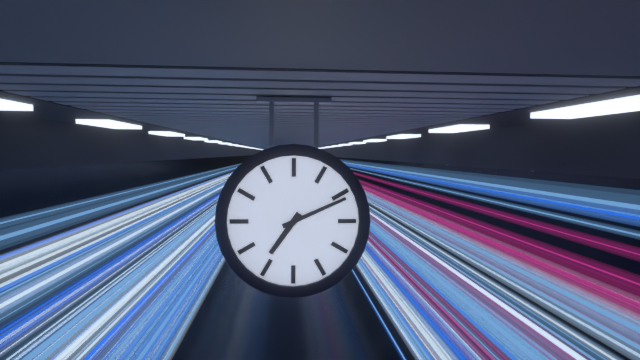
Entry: 7h11
